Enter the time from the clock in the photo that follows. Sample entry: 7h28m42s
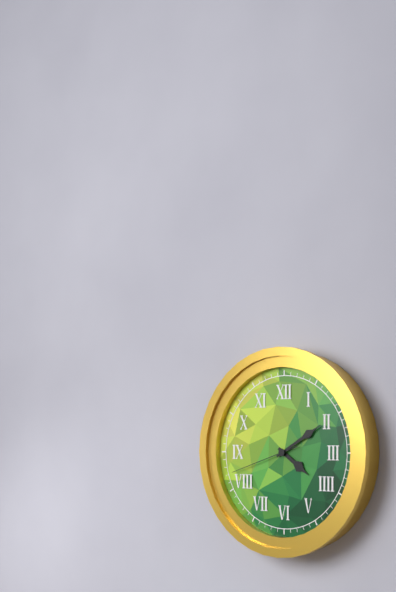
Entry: 4h10m42s
